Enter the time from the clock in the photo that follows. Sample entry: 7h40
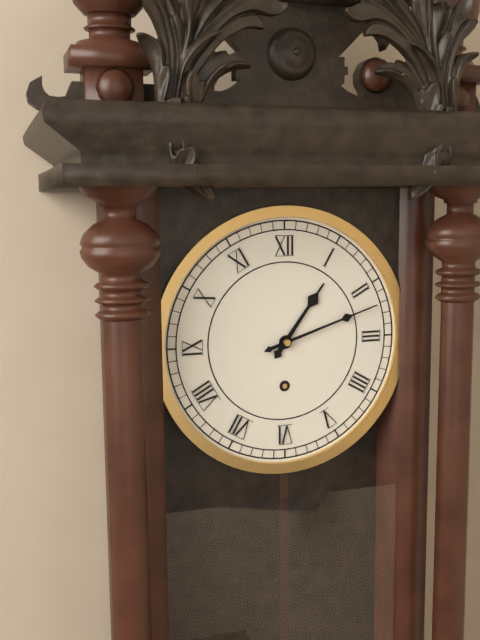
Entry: 1h12
